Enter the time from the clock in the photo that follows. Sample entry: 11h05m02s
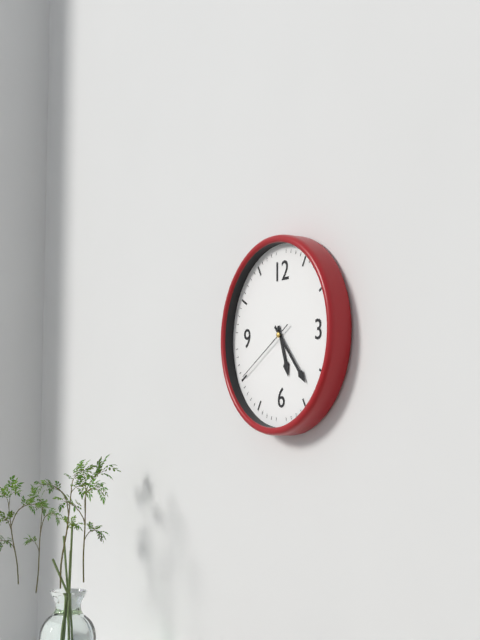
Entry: 5h23m40s
